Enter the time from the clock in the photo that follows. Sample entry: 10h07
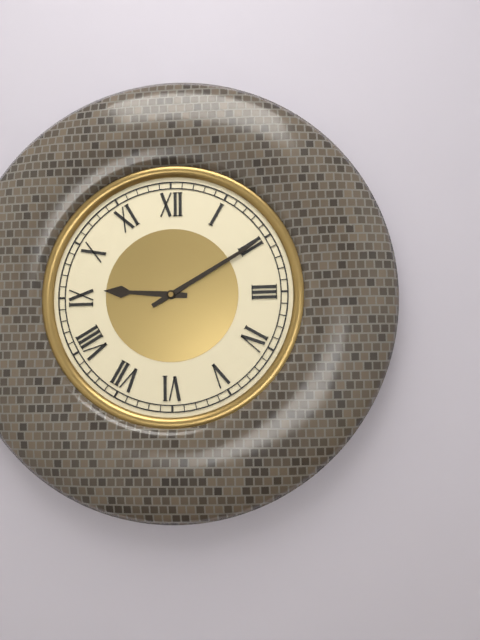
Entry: 9h10
